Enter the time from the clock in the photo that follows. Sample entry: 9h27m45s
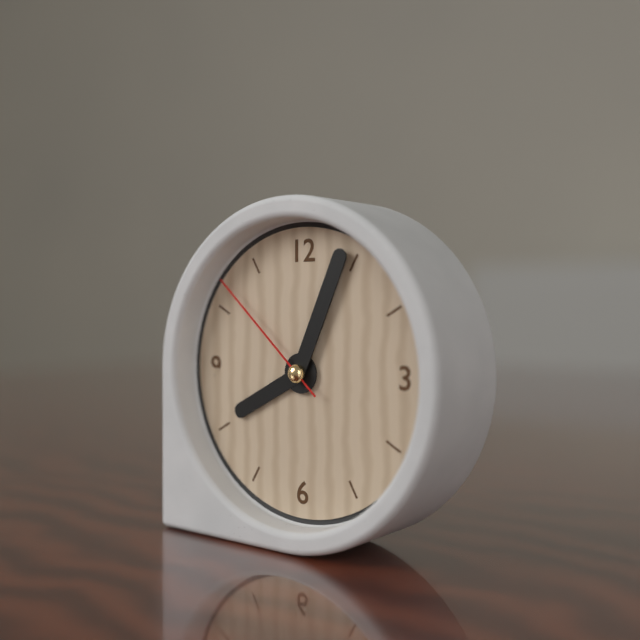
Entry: 8h04m52s
